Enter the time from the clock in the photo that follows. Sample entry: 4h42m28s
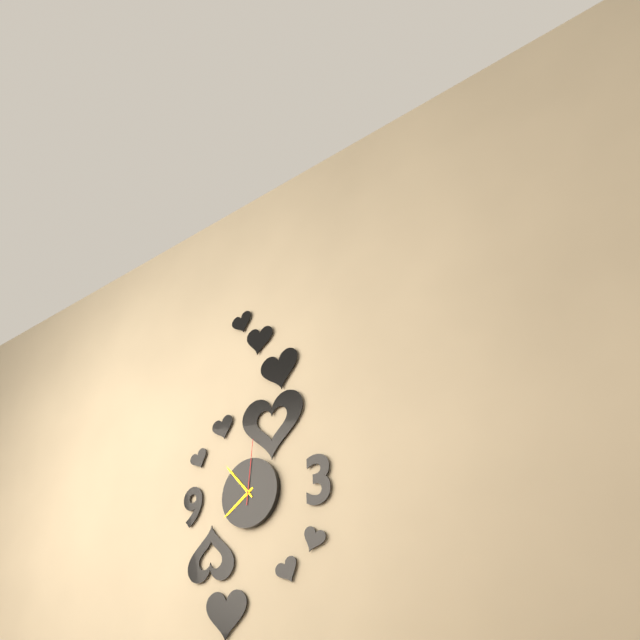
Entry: 7h53m01s
